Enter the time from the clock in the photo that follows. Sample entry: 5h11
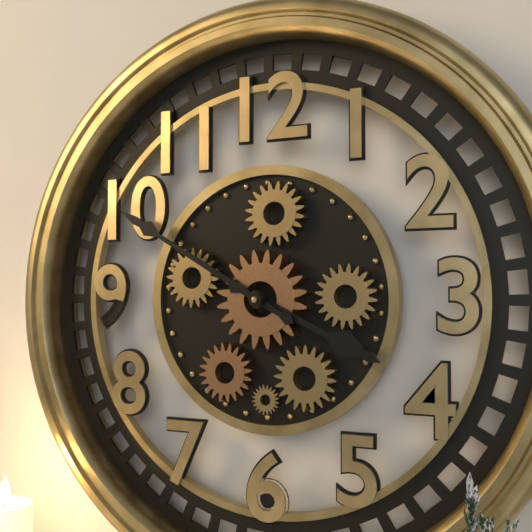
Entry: 3h50
